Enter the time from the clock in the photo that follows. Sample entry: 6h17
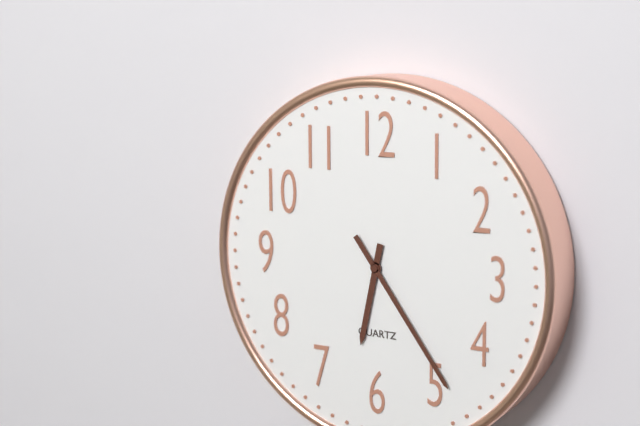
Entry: 6h24
